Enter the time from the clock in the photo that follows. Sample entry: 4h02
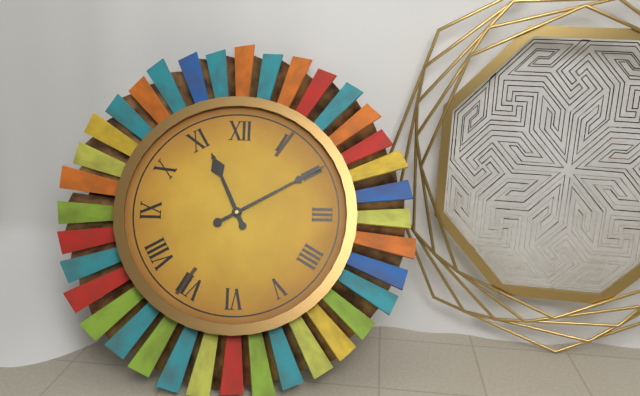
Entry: 11h10
